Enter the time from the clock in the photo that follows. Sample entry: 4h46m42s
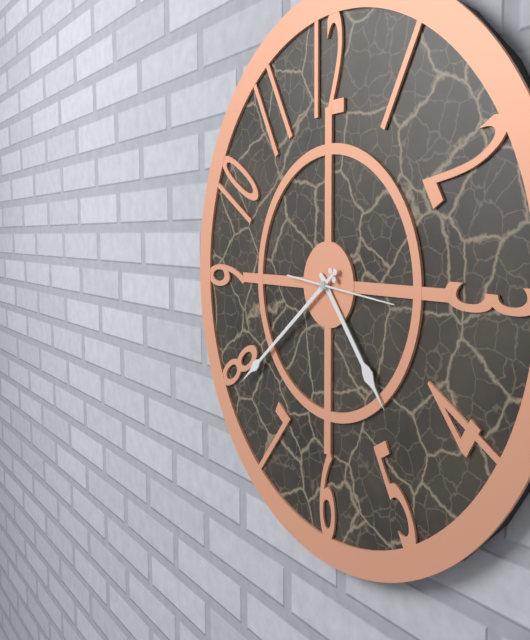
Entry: 4h39m16s
